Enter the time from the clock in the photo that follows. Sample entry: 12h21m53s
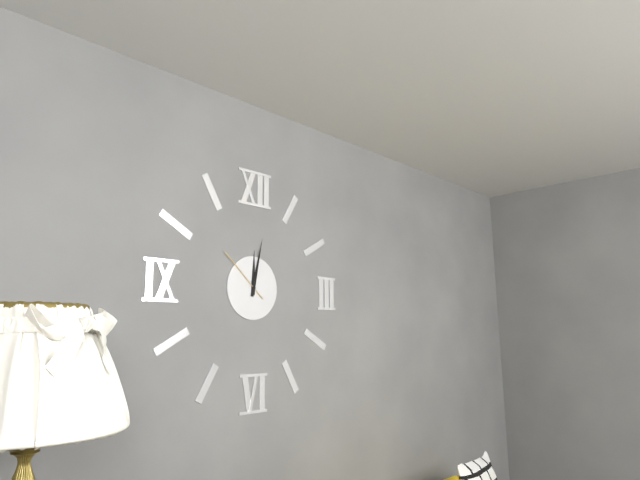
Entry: 12h02m52s
